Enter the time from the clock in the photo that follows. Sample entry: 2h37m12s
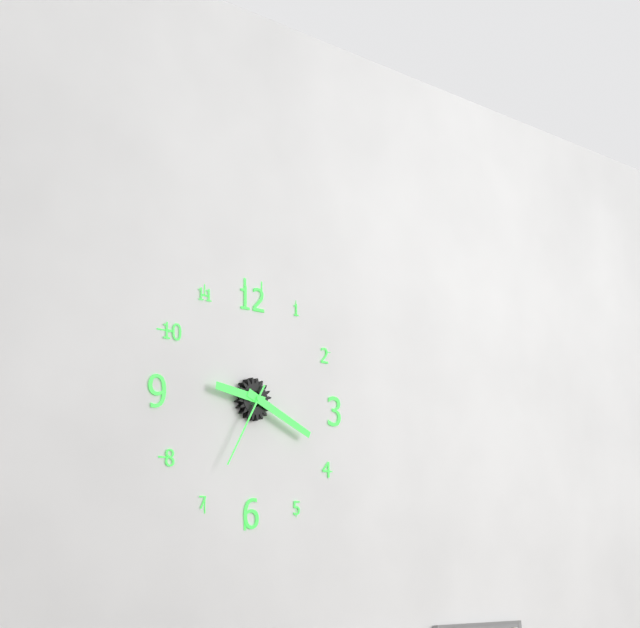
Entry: 9h19m35s
